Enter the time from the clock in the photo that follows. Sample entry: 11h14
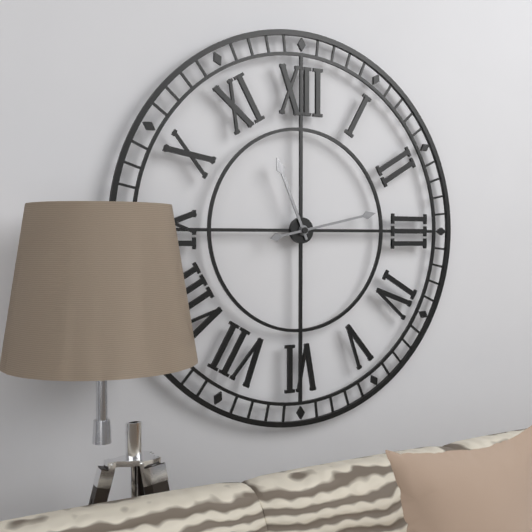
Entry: 11h13
